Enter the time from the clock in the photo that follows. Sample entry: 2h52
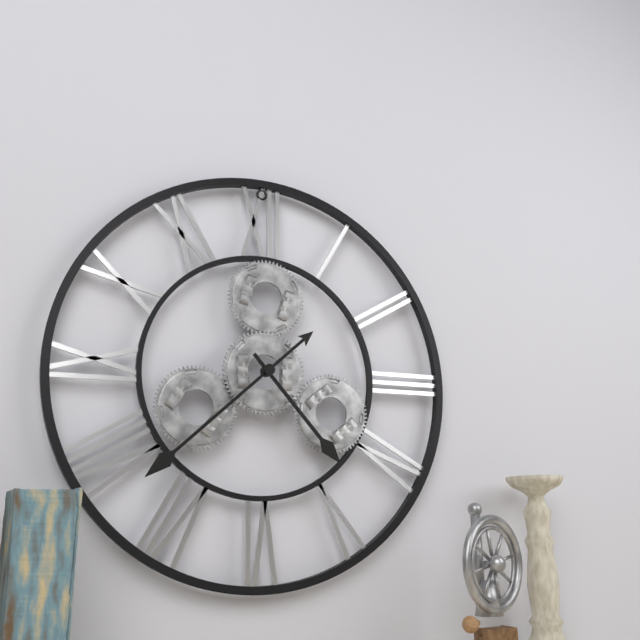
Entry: 4h38
